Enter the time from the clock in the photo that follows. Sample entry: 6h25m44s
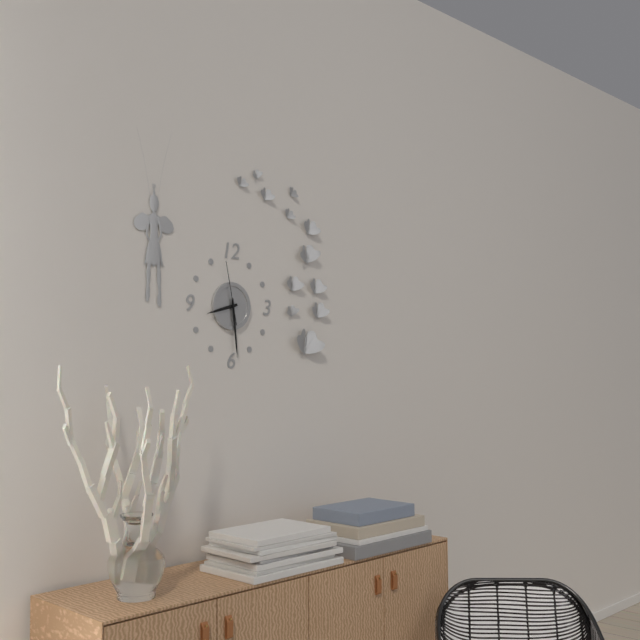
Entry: 8h29m58s
